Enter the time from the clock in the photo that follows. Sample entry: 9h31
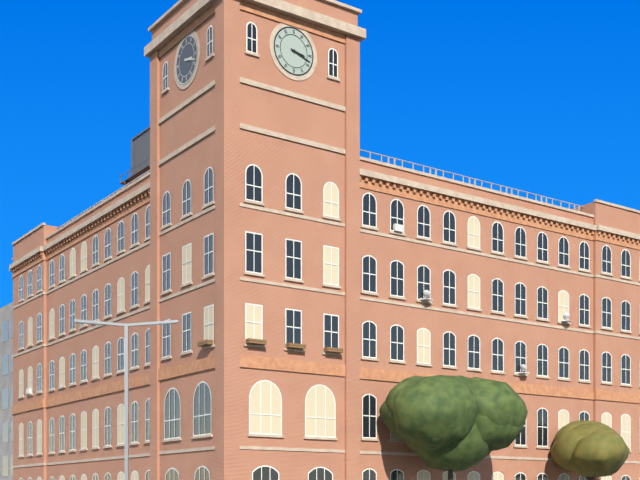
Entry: 3h18
